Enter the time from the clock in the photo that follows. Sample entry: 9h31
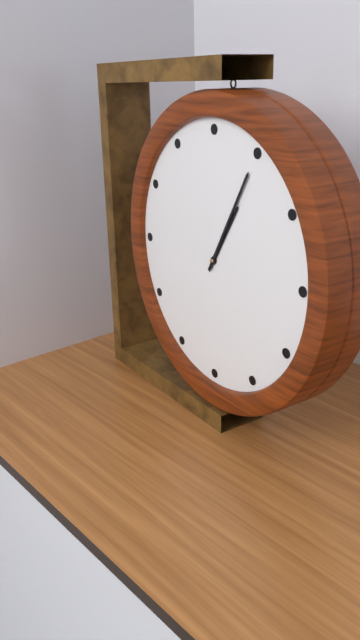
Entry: 1h05
